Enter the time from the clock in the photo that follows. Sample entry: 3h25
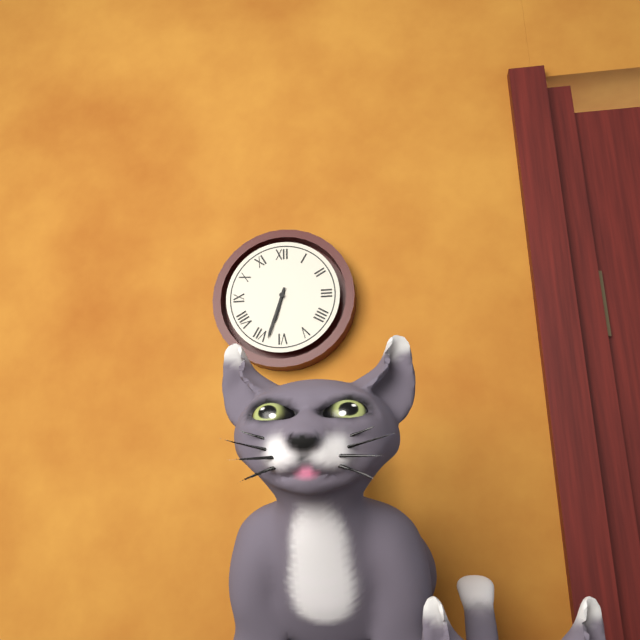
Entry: 6h33
